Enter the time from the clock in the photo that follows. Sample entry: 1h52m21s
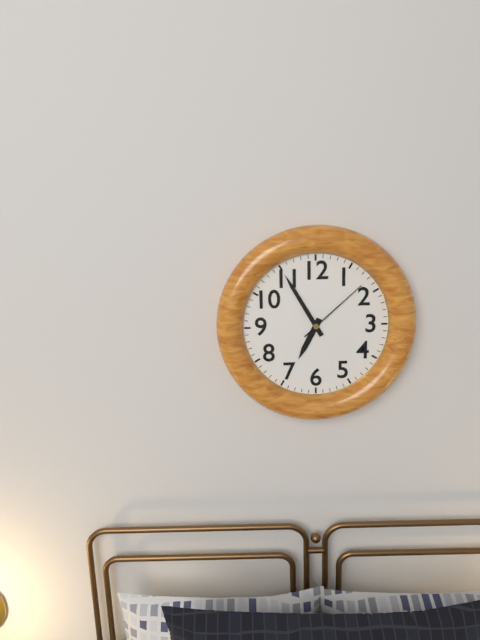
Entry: 6h55m08s
